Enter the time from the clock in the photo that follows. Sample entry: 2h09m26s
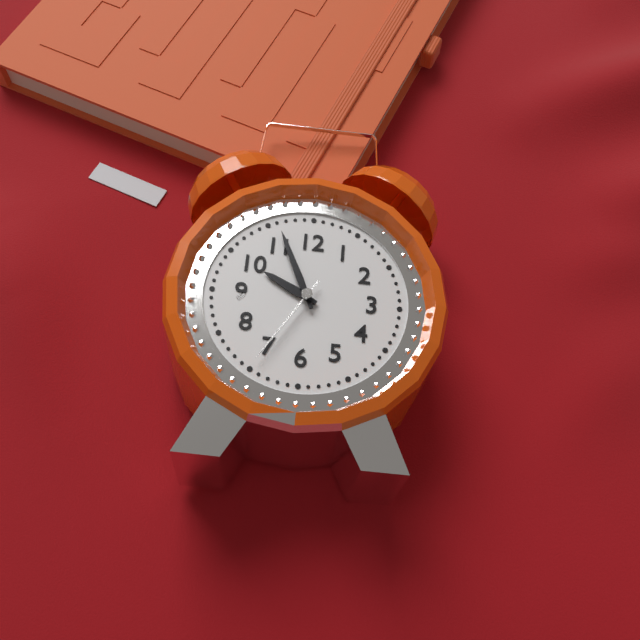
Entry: 9h56m35s
